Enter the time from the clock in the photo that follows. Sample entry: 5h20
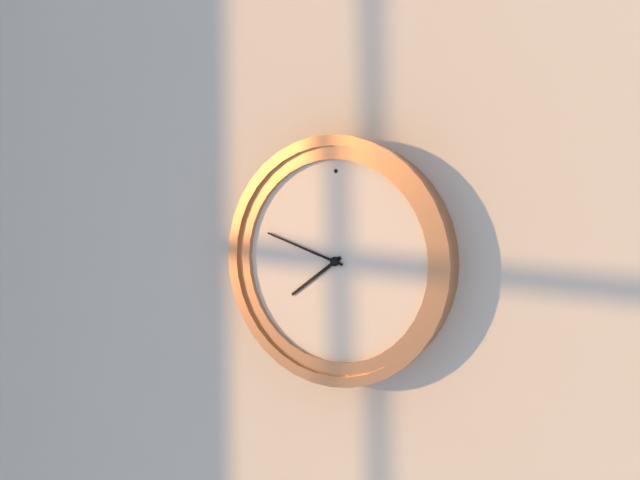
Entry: 7h48
